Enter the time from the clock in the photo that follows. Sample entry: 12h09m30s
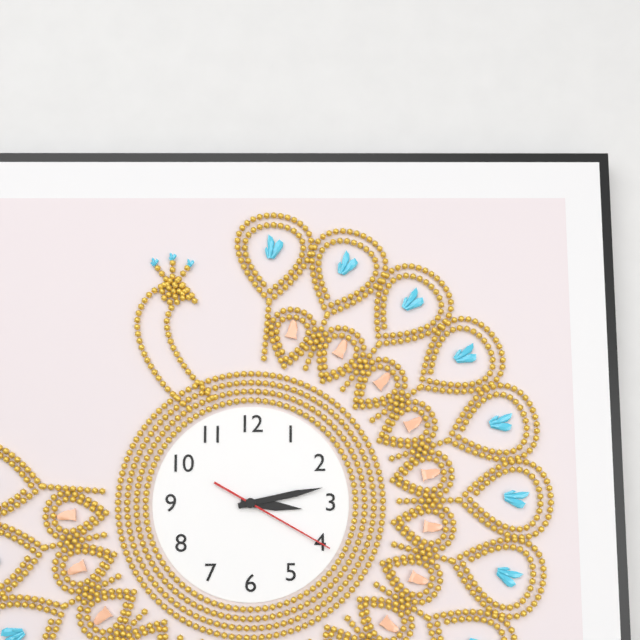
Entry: 3h13m20s
